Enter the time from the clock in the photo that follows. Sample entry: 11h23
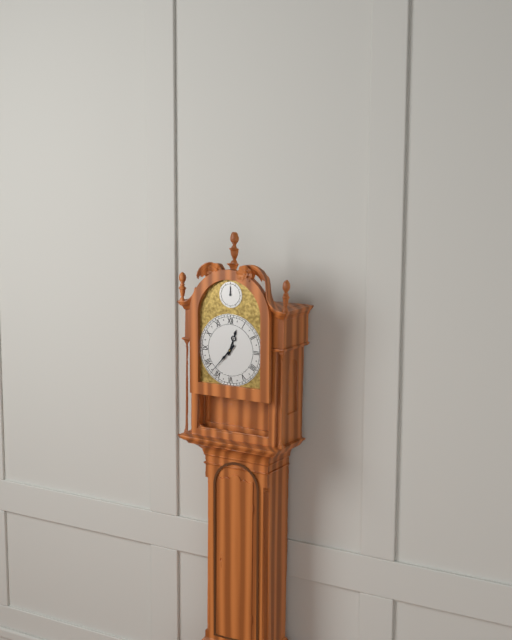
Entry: 12h37
